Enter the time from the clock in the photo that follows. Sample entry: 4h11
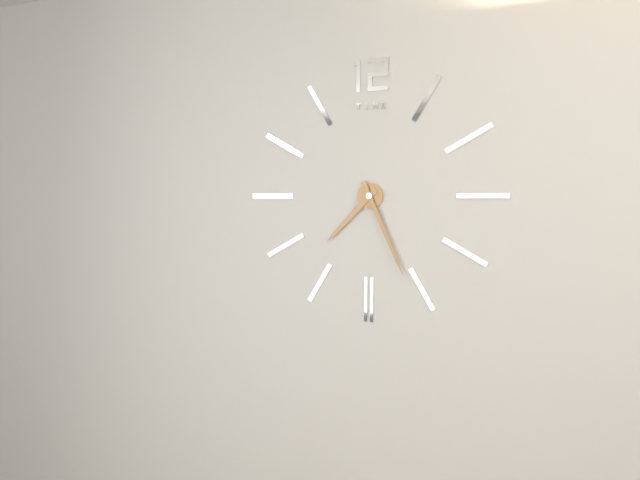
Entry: 7h26
